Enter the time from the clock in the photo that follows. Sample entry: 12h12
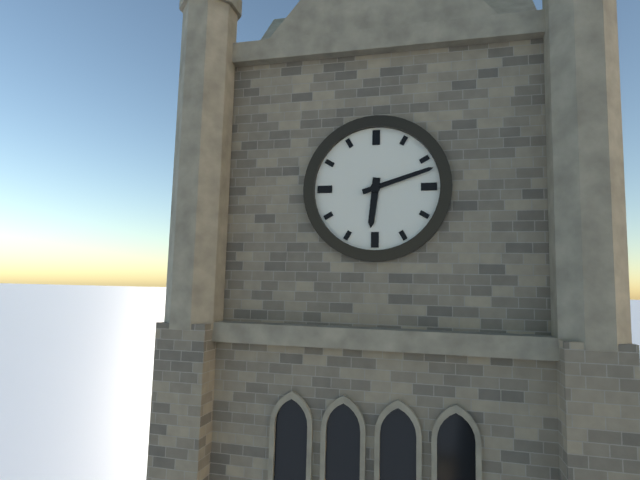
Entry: 6h12
